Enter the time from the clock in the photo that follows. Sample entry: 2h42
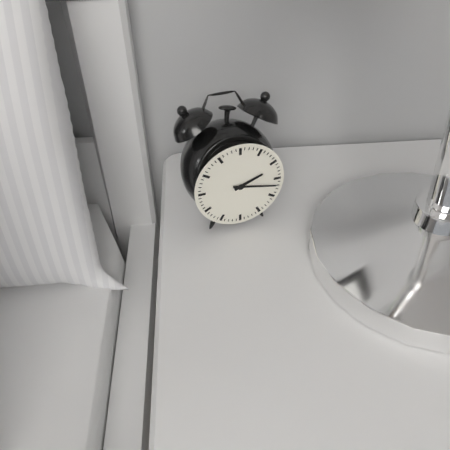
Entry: 2h17
